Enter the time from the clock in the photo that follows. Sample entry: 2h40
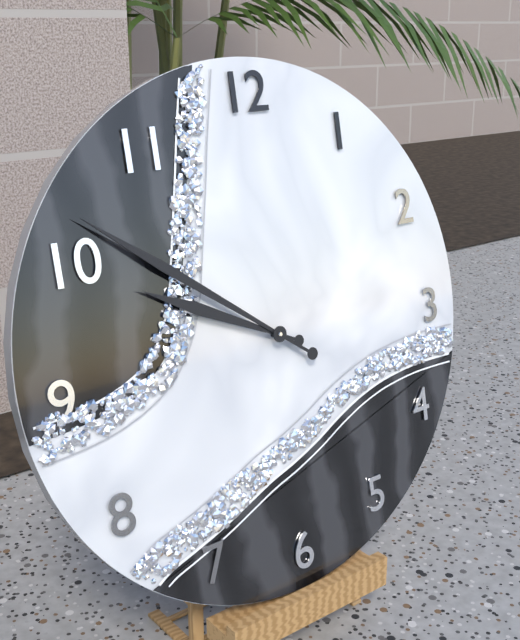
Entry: 9h51
